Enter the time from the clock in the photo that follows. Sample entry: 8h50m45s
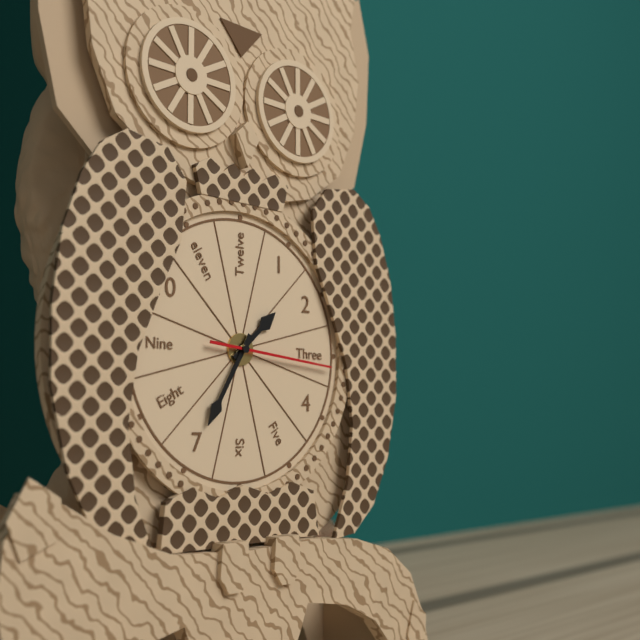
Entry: 1h35m16s
